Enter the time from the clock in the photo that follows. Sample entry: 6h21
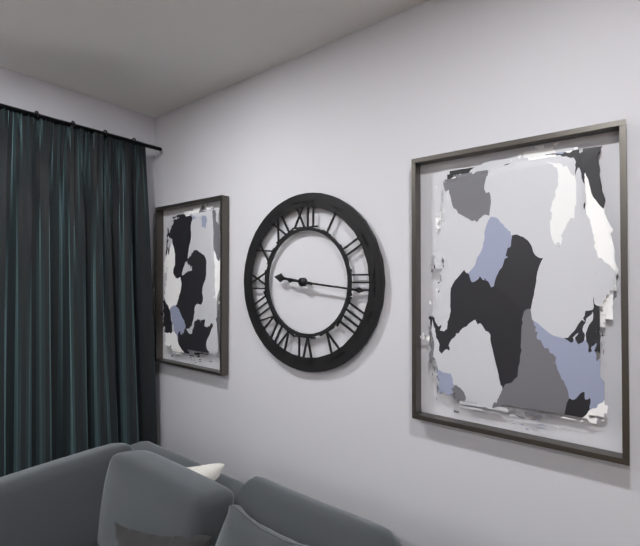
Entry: 9h16
